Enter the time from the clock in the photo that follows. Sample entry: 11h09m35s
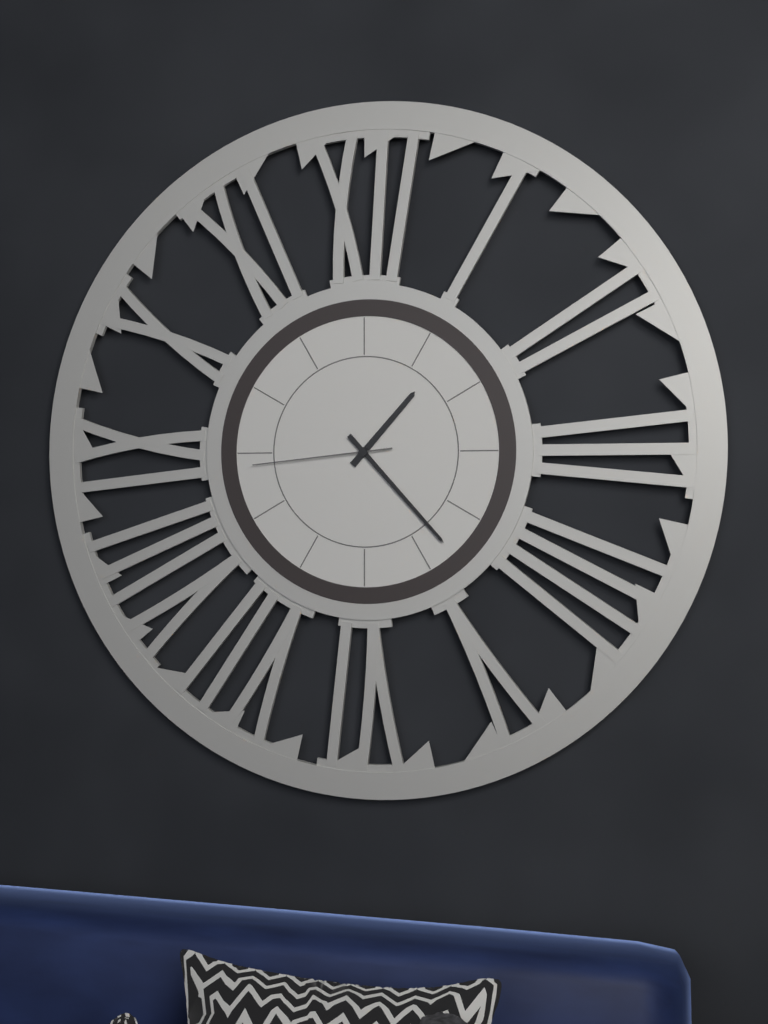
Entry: 1h23m44s
